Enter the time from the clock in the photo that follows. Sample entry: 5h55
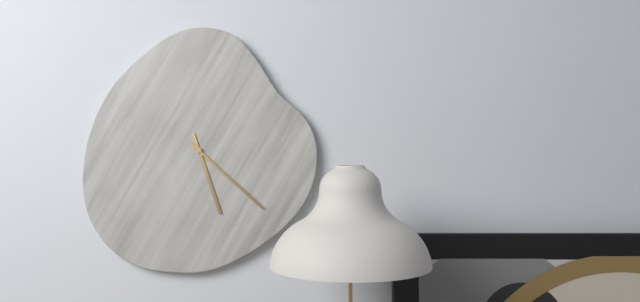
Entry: 5h22
